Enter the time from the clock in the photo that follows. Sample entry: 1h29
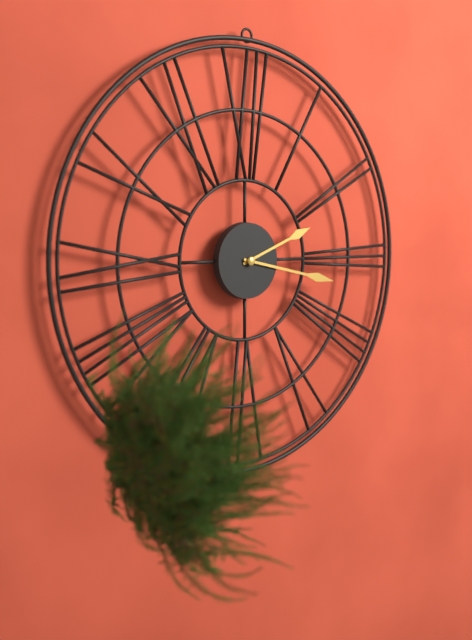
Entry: 2h17
